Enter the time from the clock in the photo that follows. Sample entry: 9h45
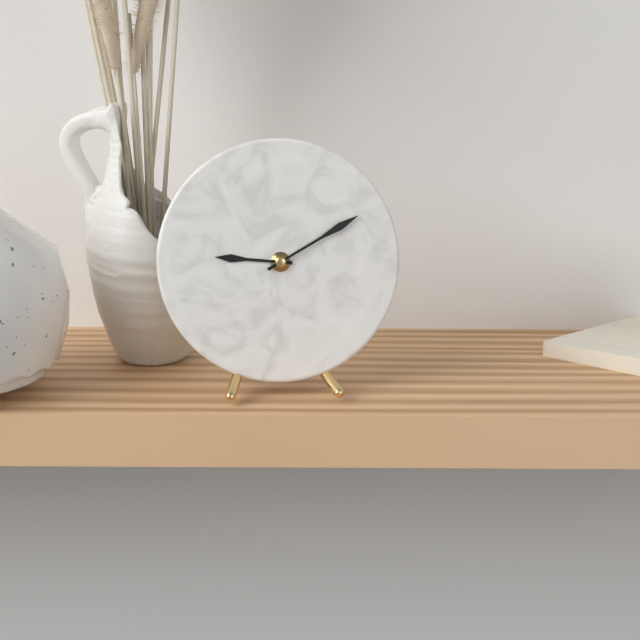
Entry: 9h10
